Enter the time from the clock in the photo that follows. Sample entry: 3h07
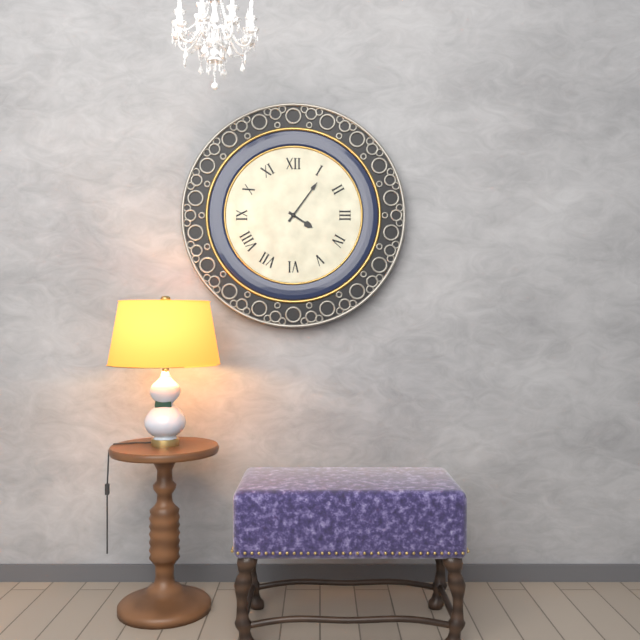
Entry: 4h06
